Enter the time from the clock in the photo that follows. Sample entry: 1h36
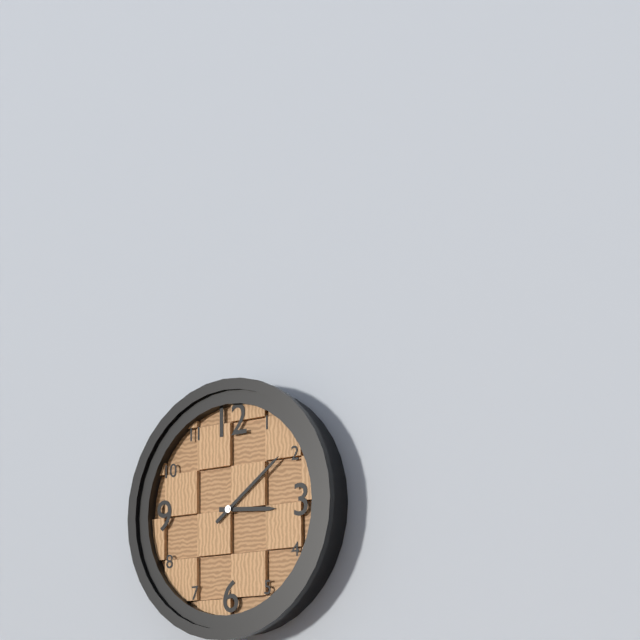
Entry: 3h09
